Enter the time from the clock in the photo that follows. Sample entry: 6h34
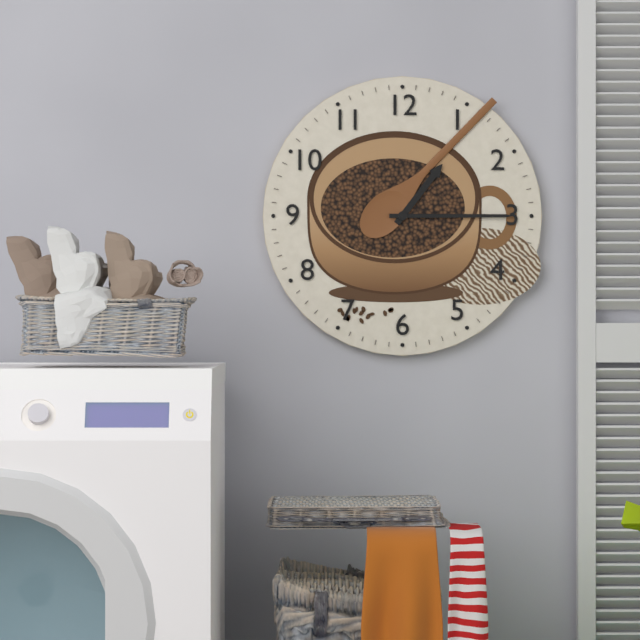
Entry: 1h15
